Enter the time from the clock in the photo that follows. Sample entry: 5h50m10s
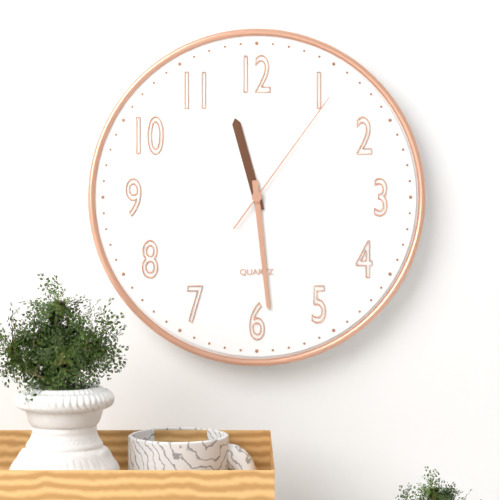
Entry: 11h29m06s
